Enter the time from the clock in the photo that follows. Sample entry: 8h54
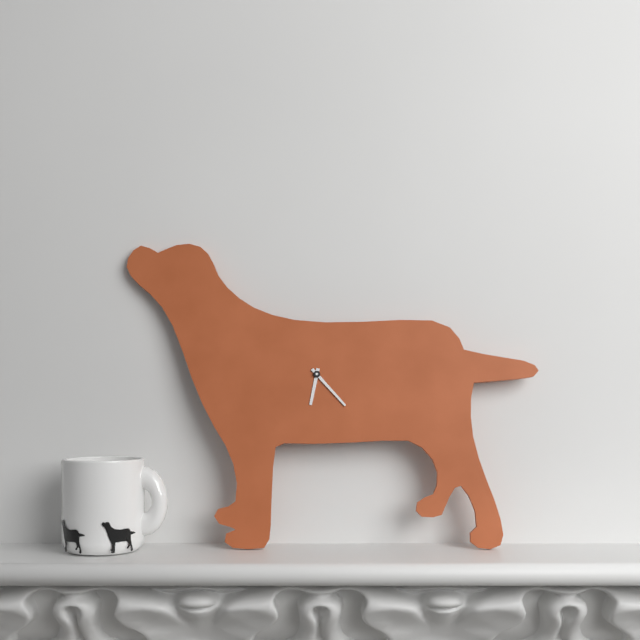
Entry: 6h23
